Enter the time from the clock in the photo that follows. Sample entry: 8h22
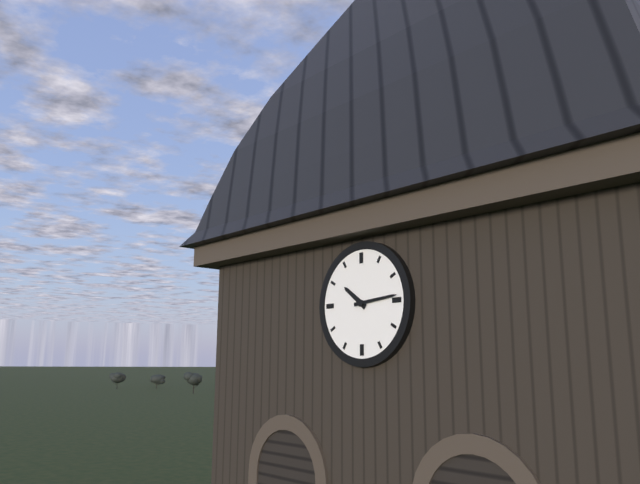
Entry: 10h14
